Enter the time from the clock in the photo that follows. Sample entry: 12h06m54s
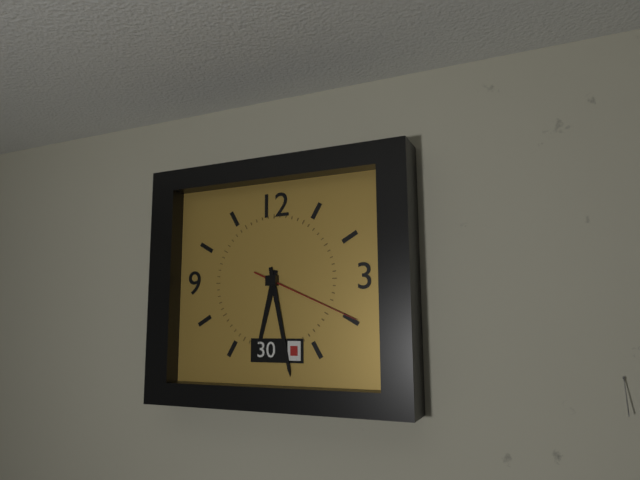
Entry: 6h28m19s
